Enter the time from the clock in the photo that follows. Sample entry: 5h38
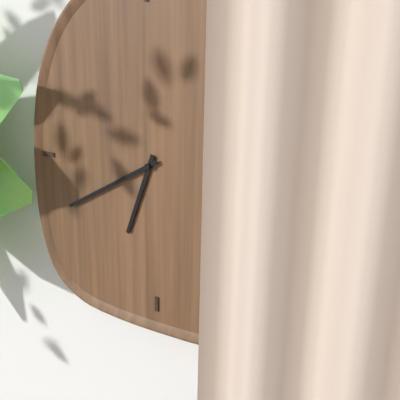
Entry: 6h40
